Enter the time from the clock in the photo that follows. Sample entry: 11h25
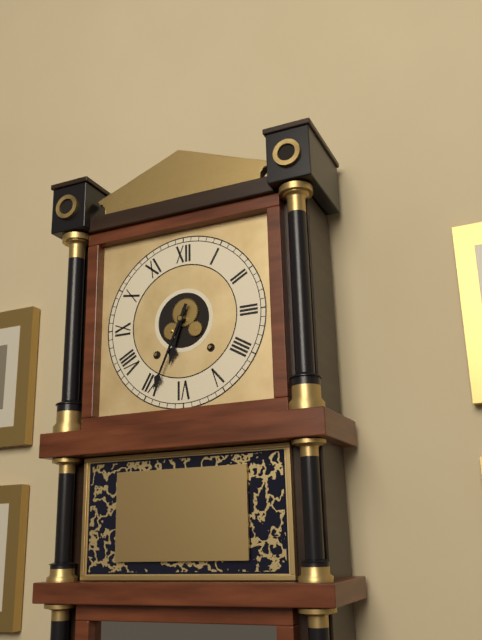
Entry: 6h34
